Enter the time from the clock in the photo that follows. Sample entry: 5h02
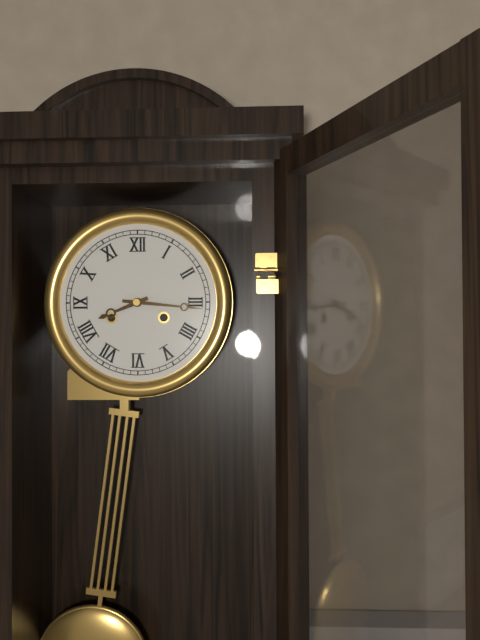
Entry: 8h16
